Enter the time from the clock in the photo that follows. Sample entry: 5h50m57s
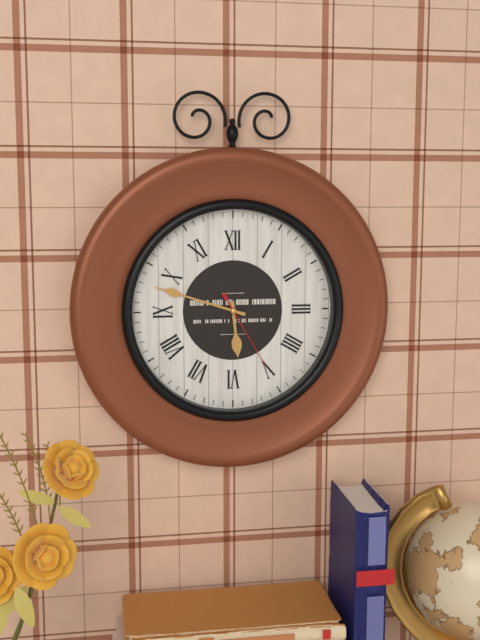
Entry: 5h48m25s
